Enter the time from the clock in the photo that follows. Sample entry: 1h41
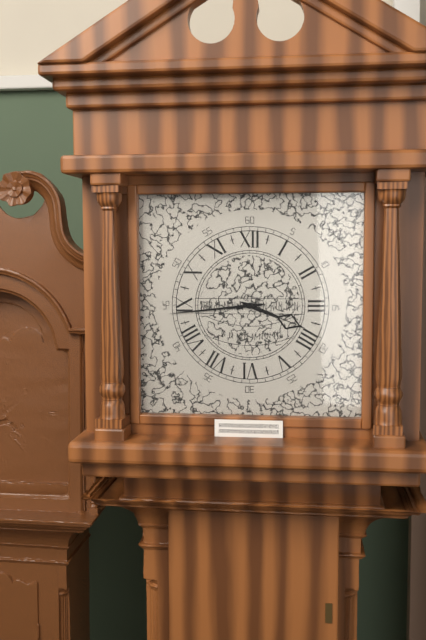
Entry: 3h44
